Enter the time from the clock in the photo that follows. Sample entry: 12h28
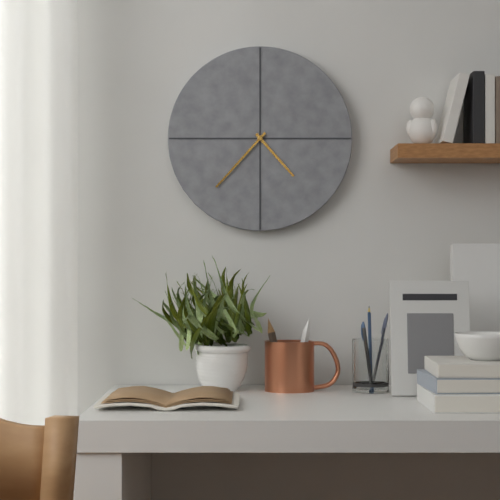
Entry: 4h37
